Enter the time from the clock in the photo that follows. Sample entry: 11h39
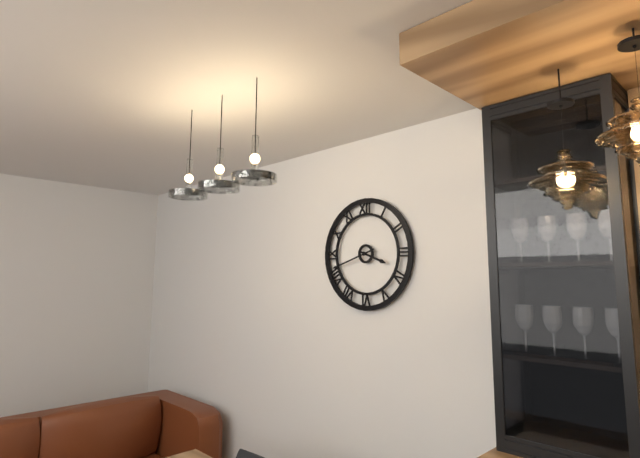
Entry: 3h42
